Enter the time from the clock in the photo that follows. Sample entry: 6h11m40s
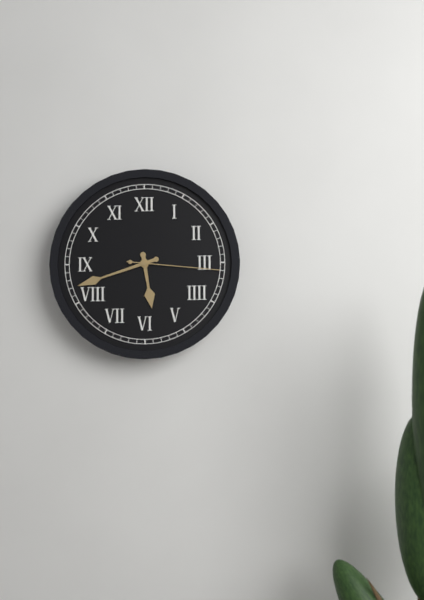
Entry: 5h42m16s
